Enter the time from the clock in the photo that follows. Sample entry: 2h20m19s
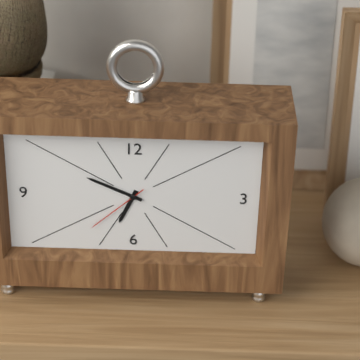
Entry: 6h49m38s
